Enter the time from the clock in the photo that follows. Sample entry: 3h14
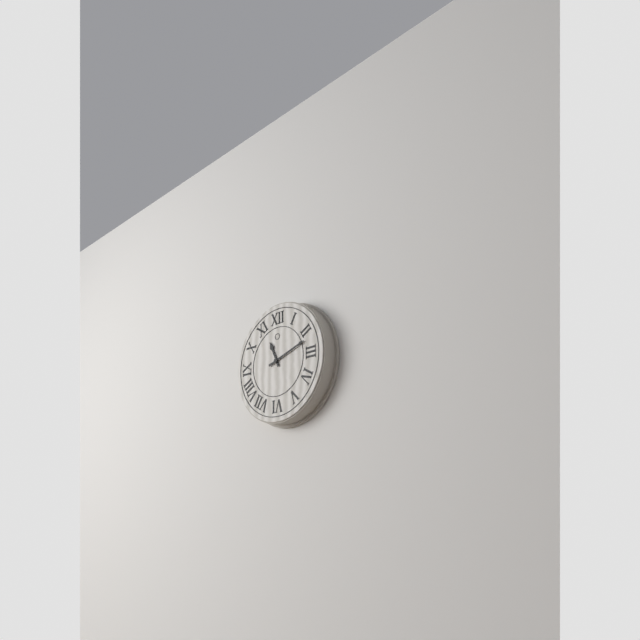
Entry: 11h12
